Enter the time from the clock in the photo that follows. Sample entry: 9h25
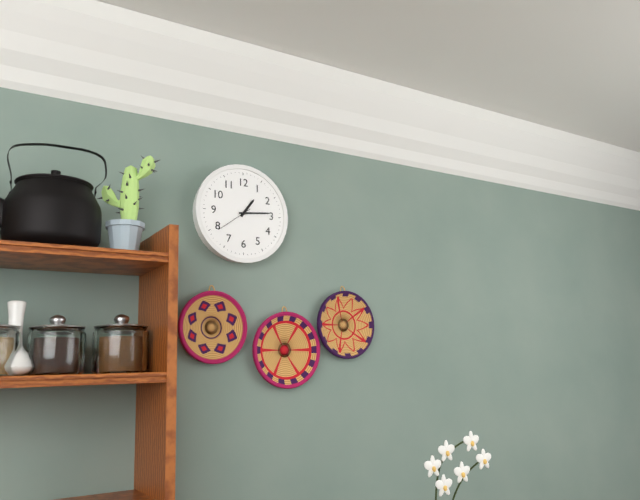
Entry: 1h14
